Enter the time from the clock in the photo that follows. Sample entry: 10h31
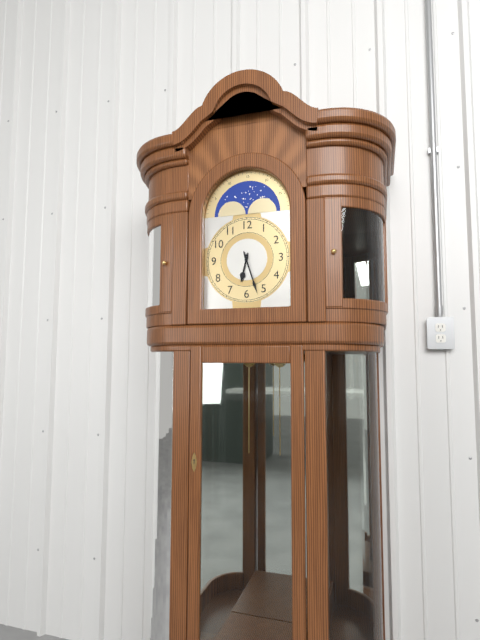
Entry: 6h27
